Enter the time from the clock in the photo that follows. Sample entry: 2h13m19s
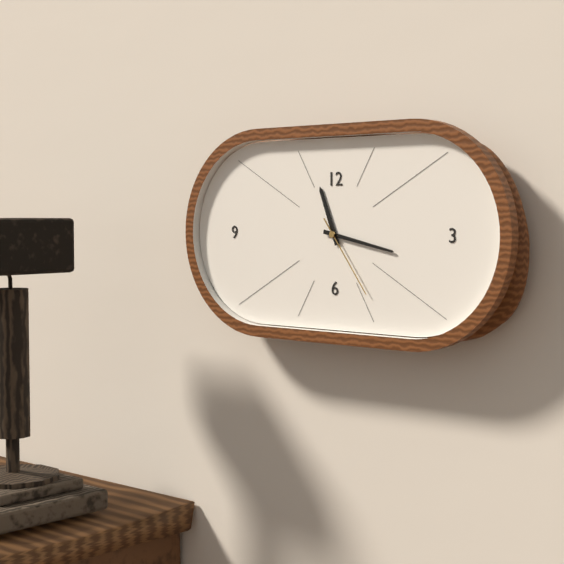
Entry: 11h17m24s
